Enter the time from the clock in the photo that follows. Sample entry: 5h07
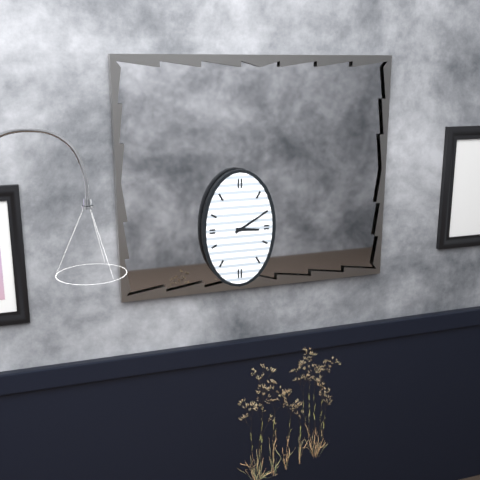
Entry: 3h10
